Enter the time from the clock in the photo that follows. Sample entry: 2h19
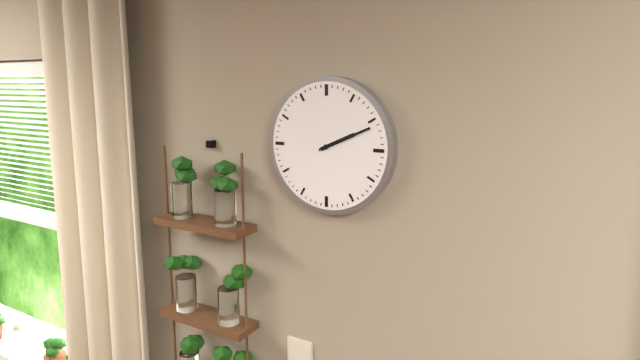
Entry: 2h11
